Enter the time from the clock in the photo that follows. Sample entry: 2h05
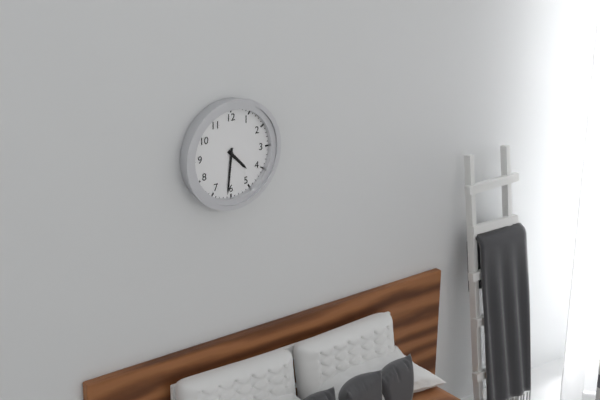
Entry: 4h31
